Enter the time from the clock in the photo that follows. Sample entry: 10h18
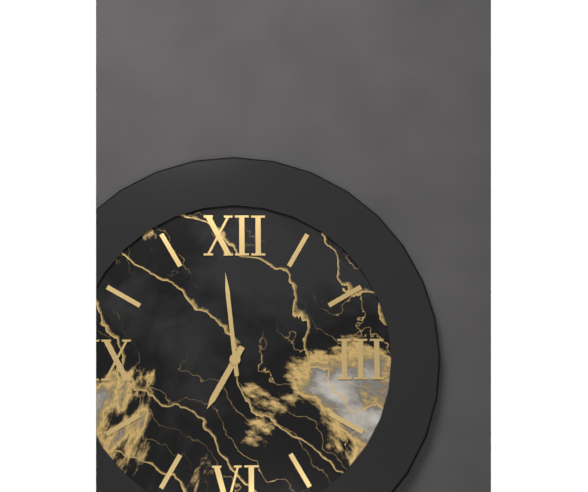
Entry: 6h59
